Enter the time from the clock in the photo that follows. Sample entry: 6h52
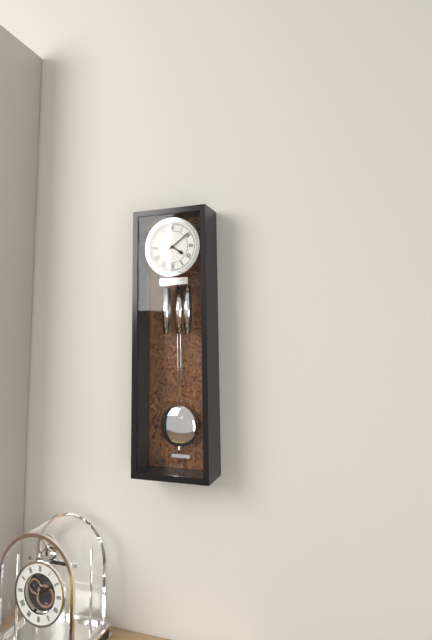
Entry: 4h09
